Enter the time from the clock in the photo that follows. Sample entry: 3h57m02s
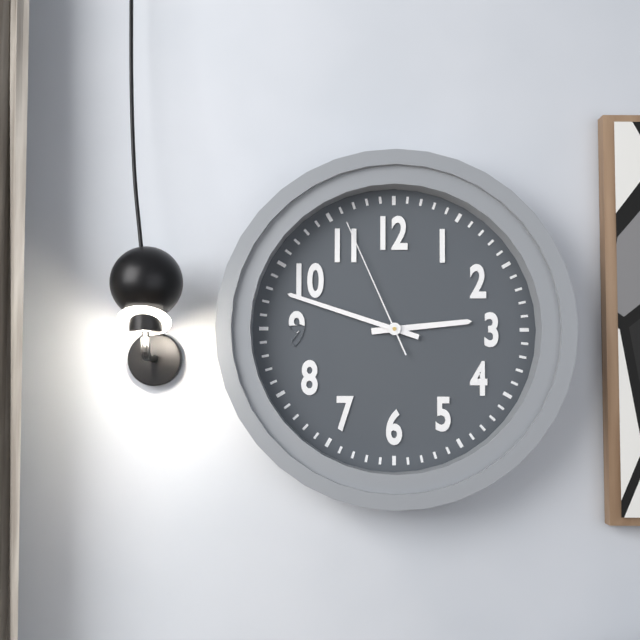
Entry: 2h48m56s
